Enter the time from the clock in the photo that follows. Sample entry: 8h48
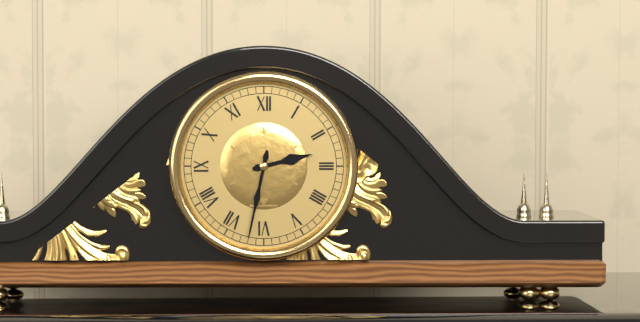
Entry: 2h32
